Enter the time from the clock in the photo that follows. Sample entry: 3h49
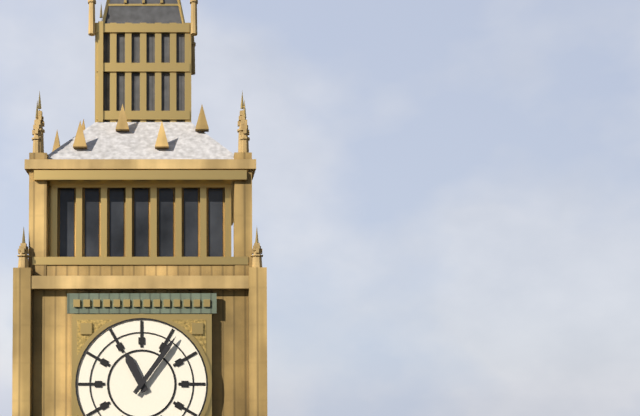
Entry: 11h06
